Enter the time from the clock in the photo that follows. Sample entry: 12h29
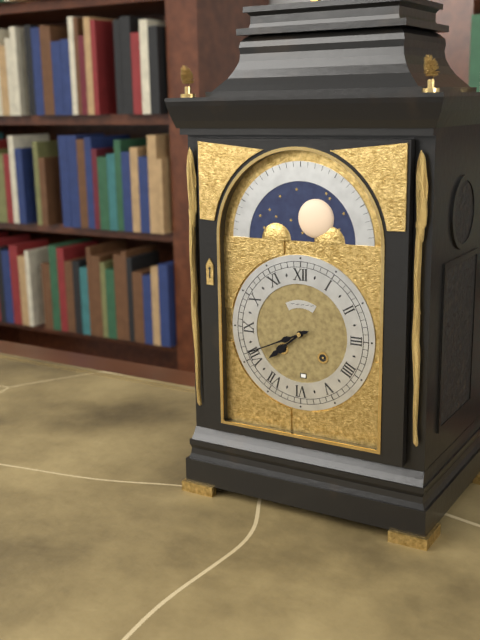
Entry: 7h41
